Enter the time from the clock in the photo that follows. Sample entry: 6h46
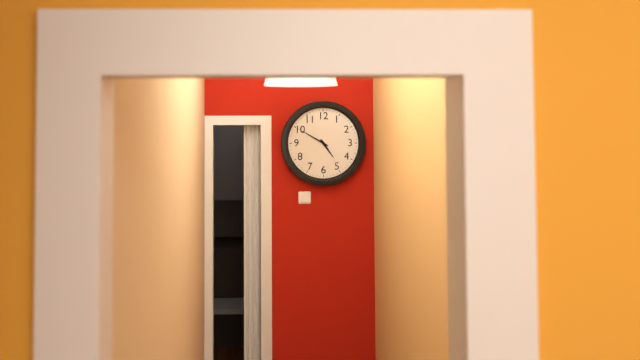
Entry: 4h50
